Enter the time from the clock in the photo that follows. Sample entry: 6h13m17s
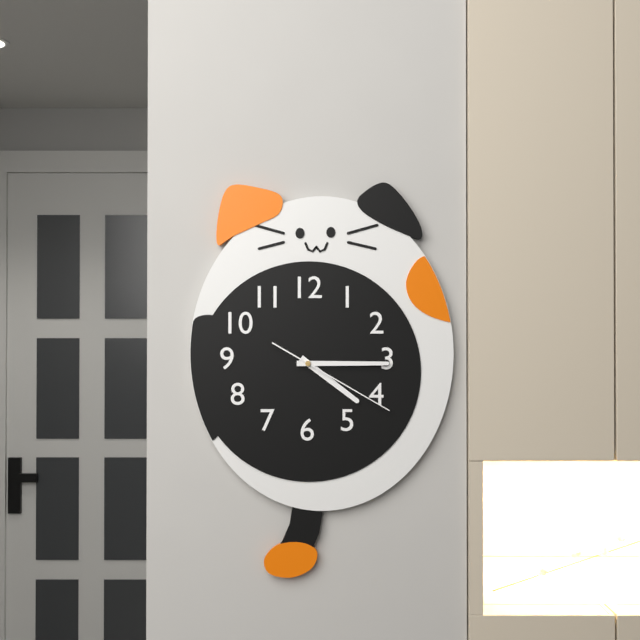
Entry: 4h15m20s
